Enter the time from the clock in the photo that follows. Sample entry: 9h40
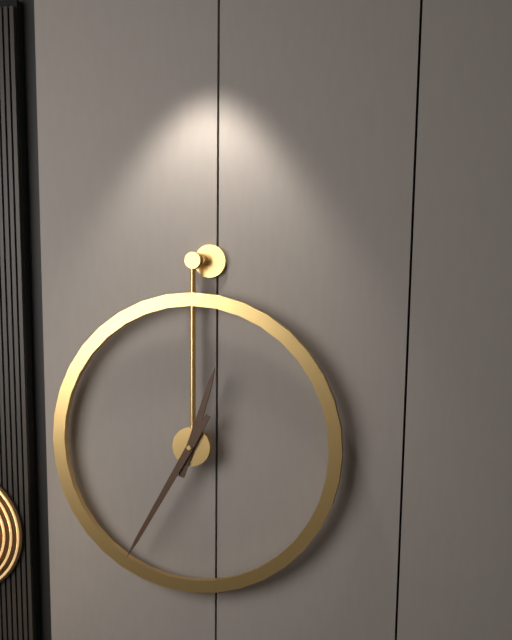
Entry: 12h35
